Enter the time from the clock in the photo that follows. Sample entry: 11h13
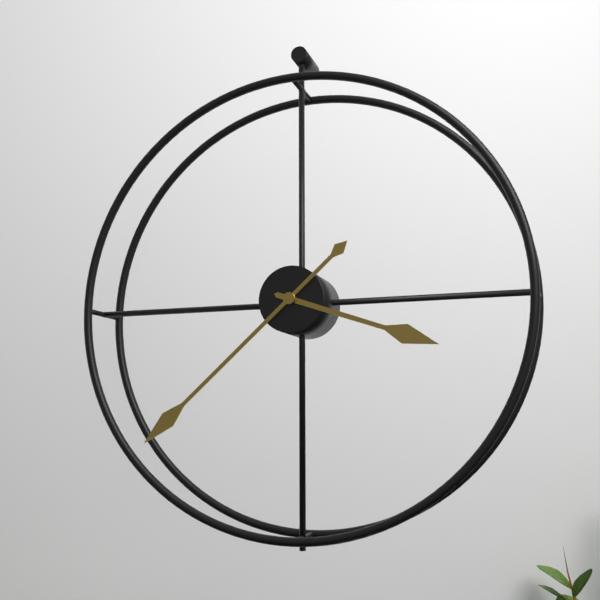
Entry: 3h38
